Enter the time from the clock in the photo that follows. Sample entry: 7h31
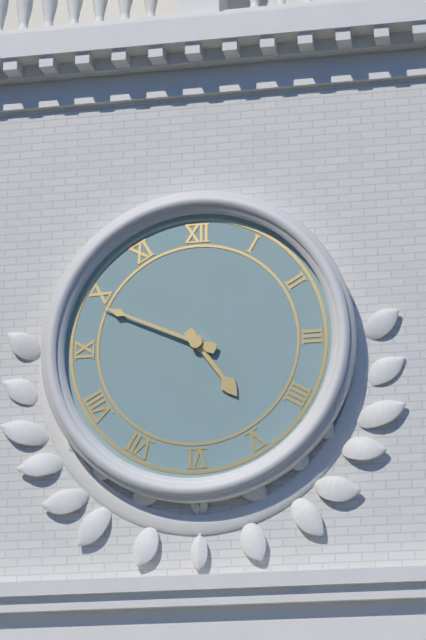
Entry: 4h49
